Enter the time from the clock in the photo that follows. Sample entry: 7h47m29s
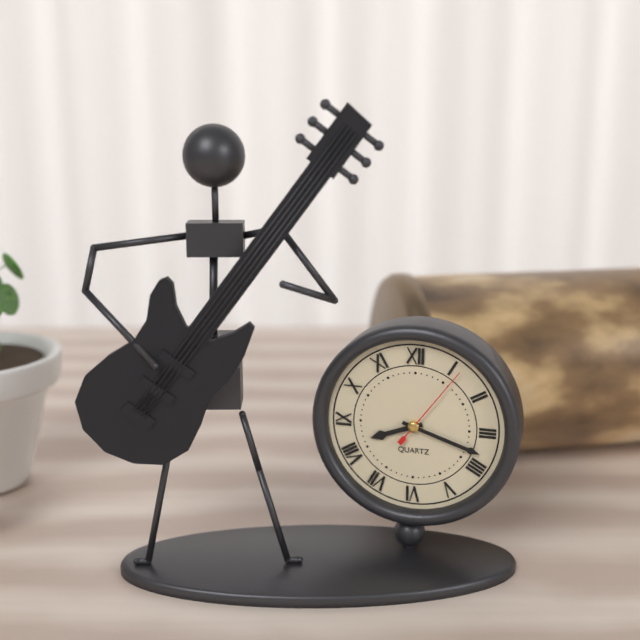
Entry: 8h18m06s
